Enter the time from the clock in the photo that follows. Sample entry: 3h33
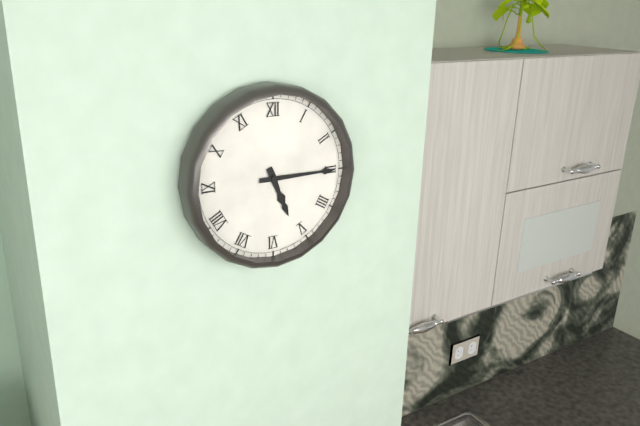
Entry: 5h15
